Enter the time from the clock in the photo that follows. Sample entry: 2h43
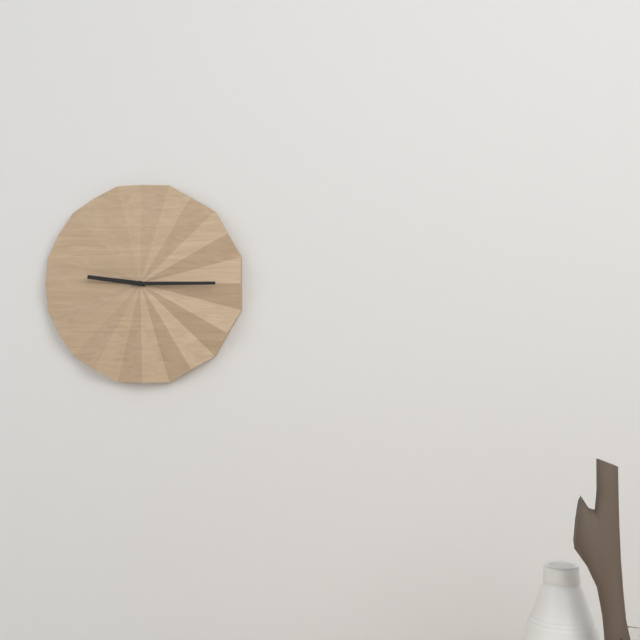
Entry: 9h15
